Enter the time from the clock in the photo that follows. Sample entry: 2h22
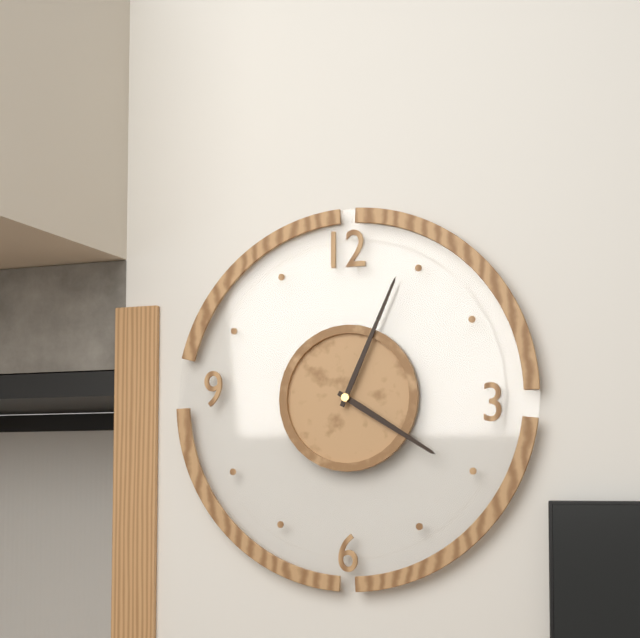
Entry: 4h04
